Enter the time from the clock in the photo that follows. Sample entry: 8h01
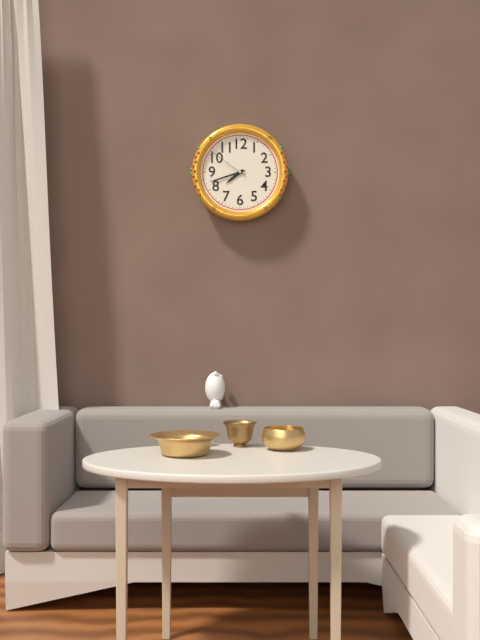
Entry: 7h42
